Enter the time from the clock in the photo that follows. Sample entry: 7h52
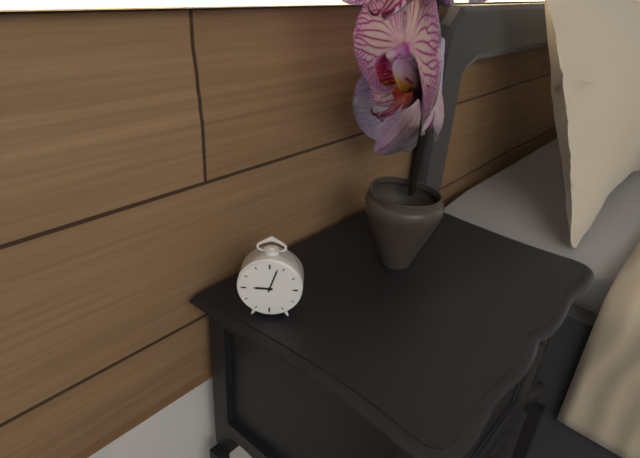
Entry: 9h03
